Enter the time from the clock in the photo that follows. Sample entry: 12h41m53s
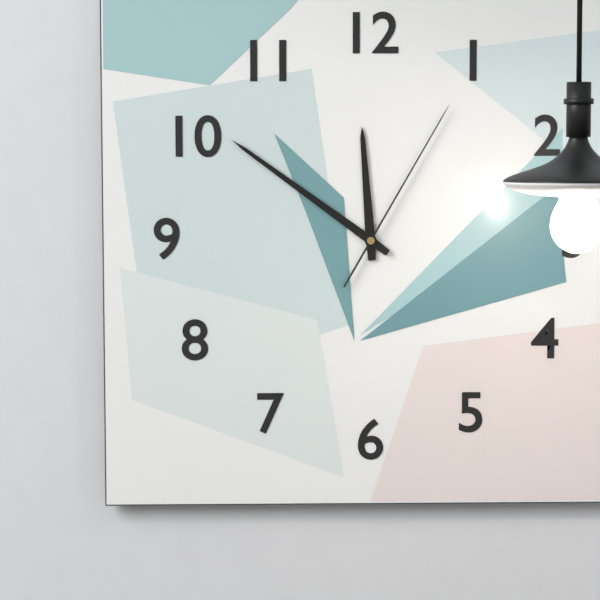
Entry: 11h51m05s
